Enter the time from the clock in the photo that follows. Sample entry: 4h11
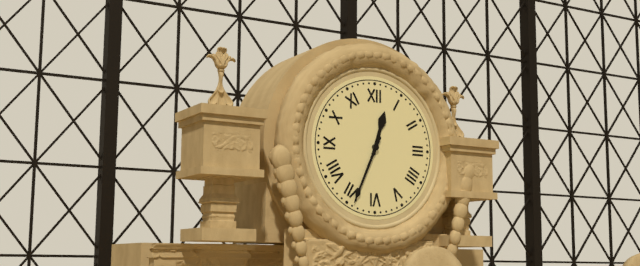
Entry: 12h34
